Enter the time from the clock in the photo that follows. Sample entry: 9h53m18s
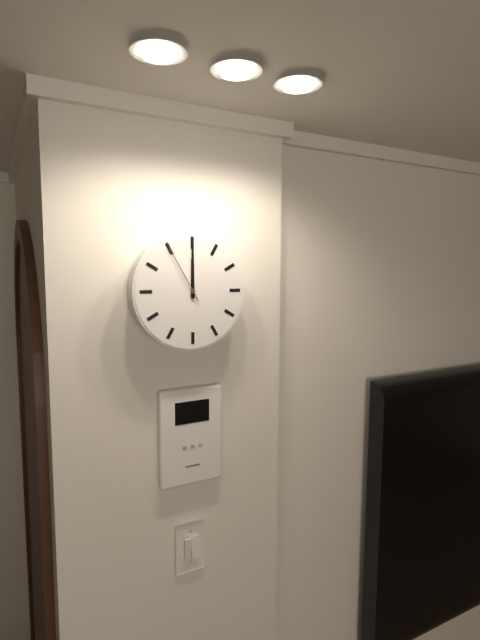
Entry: 12h00m55s
